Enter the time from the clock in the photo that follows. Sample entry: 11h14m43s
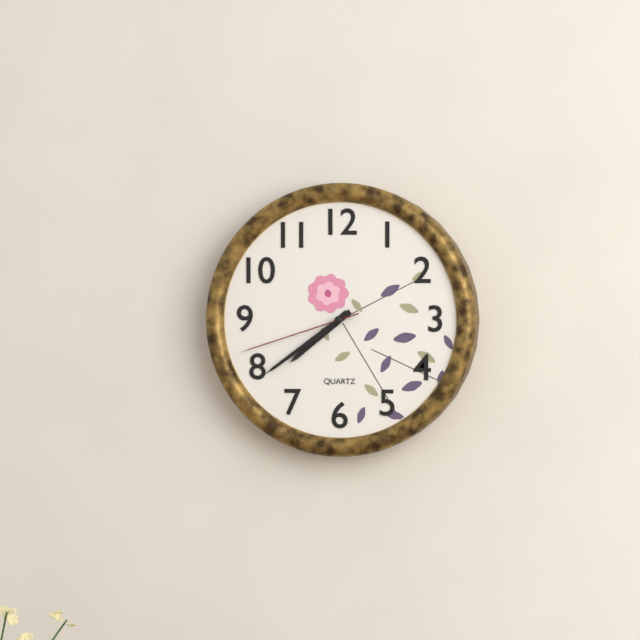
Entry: 7h39m42s
